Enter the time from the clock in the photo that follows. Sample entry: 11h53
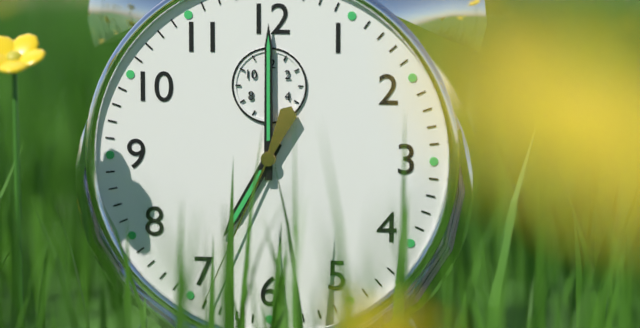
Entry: 7h00
